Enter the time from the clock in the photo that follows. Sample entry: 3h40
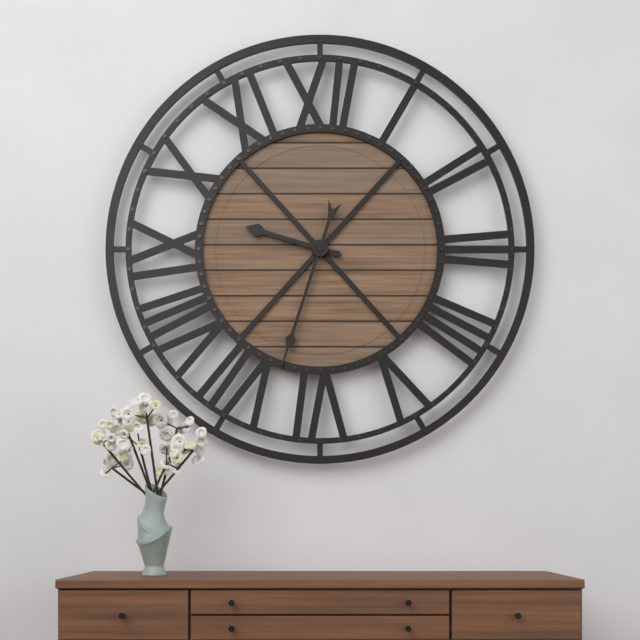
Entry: 9h33
